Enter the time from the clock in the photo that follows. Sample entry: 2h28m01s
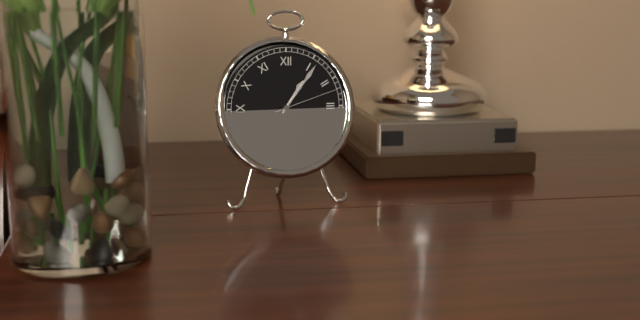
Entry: 1h06m12s
